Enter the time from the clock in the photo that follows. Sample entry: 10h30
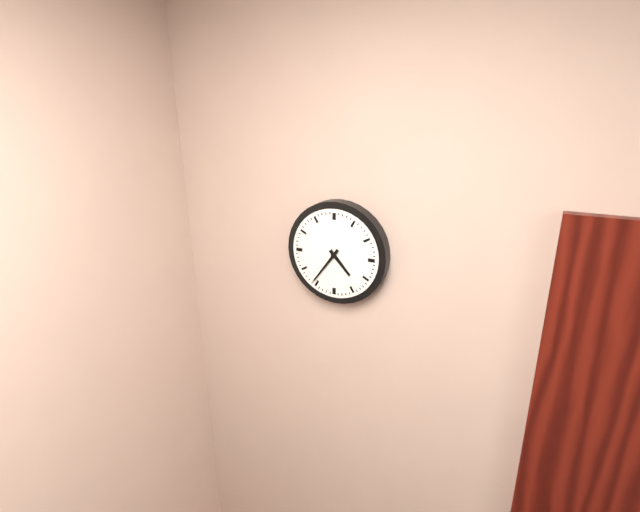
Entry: 4h36
